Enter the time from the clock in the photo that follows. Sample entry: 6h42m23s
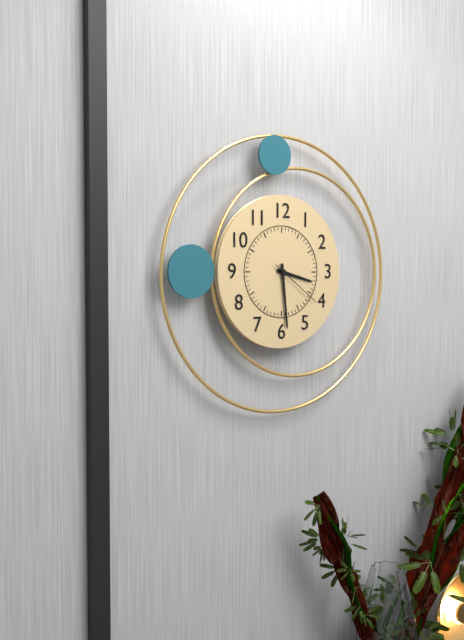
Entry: 3h29m21s
